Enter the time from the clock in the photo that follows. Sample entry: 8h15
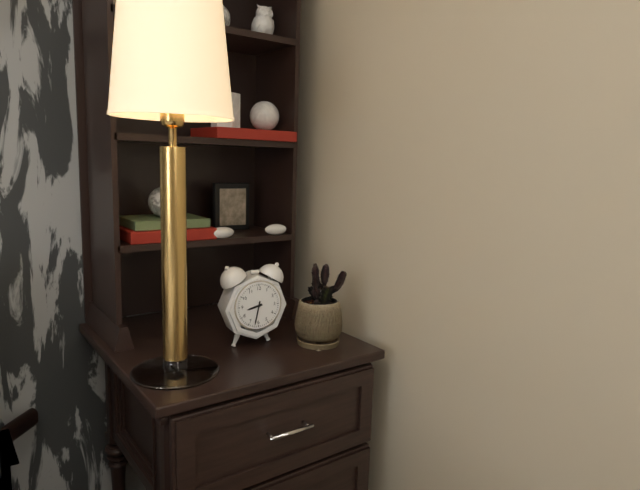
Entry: 8h32
